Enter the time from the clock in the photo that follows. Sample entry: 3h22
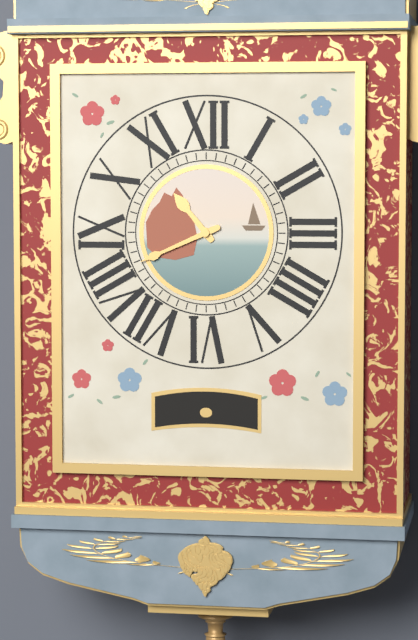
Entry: 10h41
